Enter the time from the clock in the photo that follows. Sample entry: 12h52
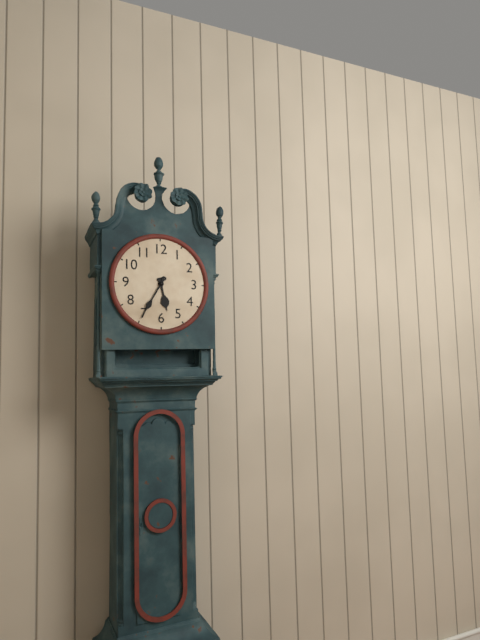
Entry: 5h35
